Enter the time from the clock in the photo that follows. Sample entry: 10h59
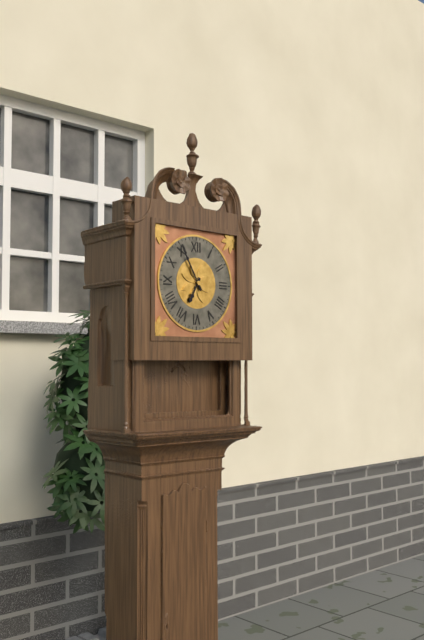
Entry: 6h55
